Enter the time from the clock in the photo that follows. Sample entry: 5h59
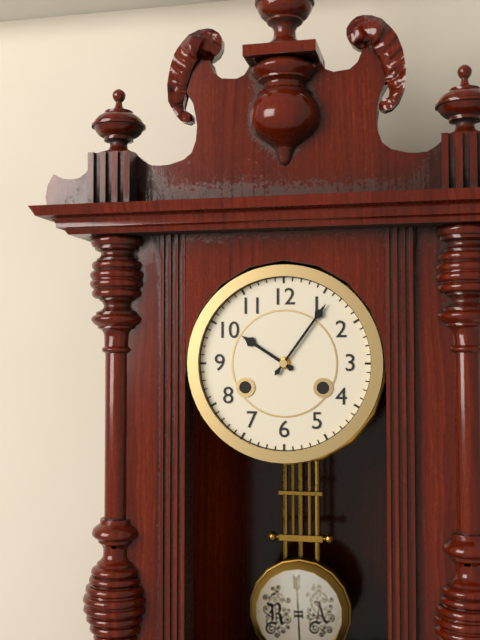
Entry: 10h06
